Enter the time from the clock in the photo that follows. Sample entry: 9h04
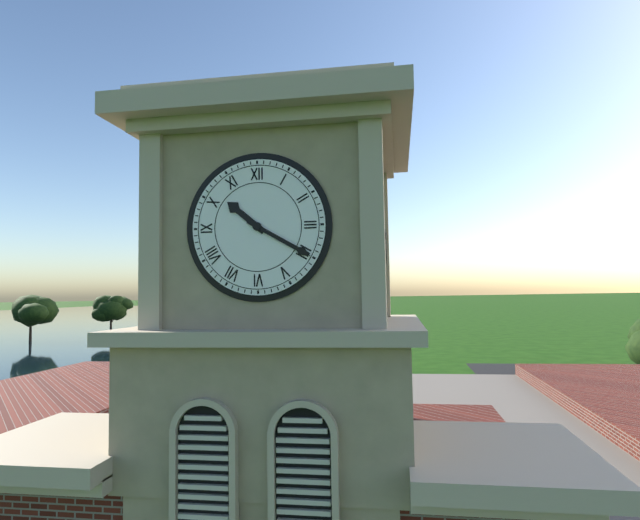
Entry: 10h20
